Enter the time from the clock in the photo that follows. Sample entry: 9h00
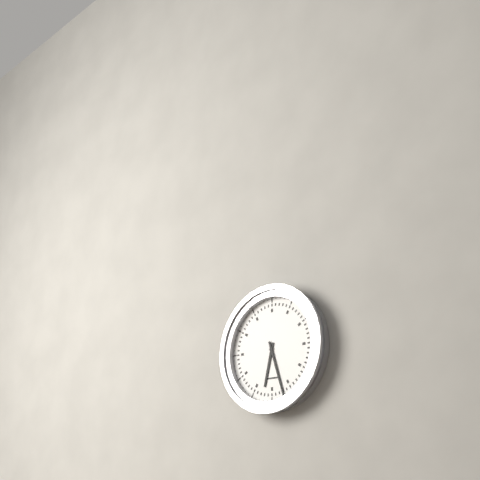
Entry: 6h27
